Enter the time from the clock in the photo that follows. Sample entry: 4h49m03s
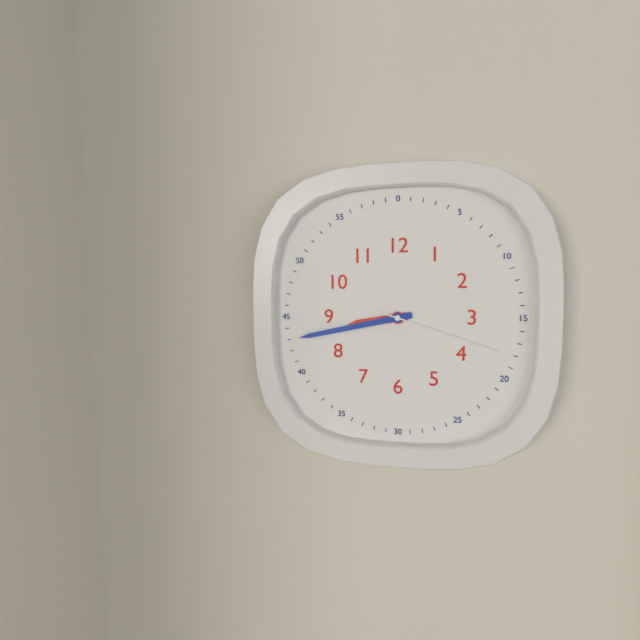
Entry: 8h43m18s
